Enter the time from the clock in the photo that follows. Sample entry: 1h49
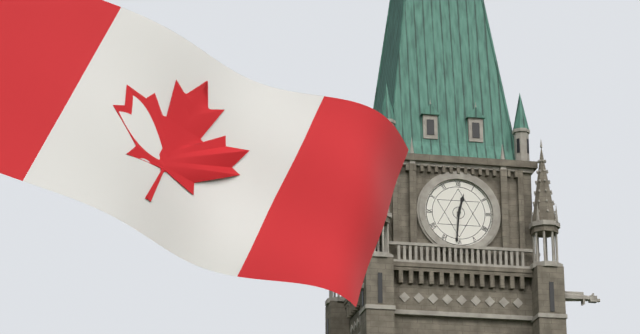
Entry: 12h31
